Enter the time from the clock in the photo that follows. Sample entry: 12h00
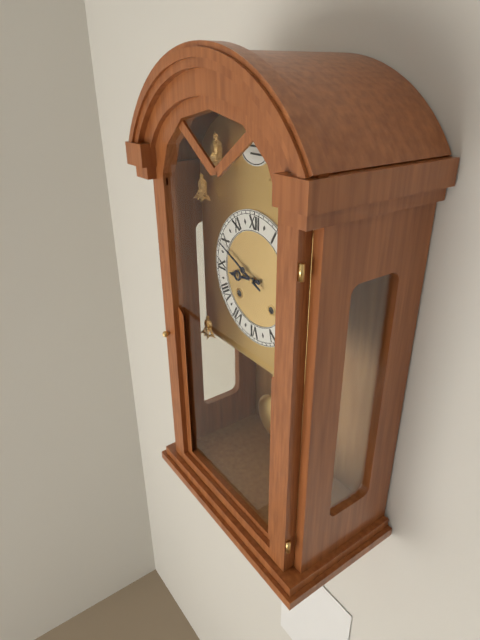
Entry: 8h49
